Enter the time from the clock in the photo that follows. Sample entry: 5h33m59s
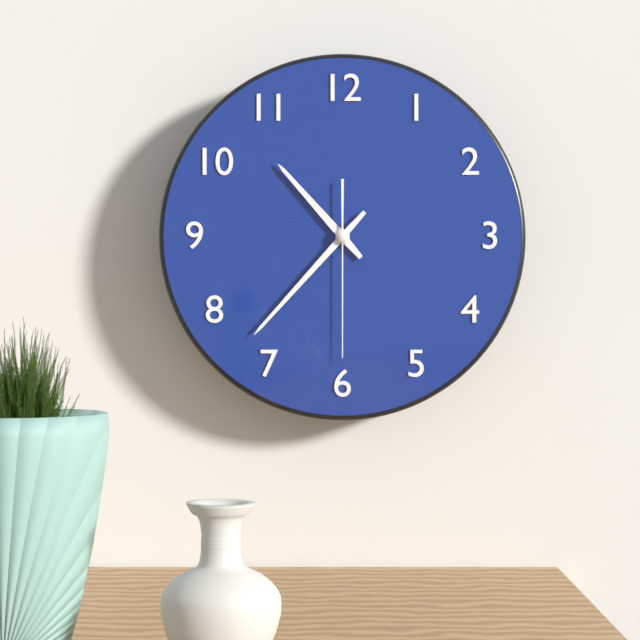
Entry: 10h37m30s
